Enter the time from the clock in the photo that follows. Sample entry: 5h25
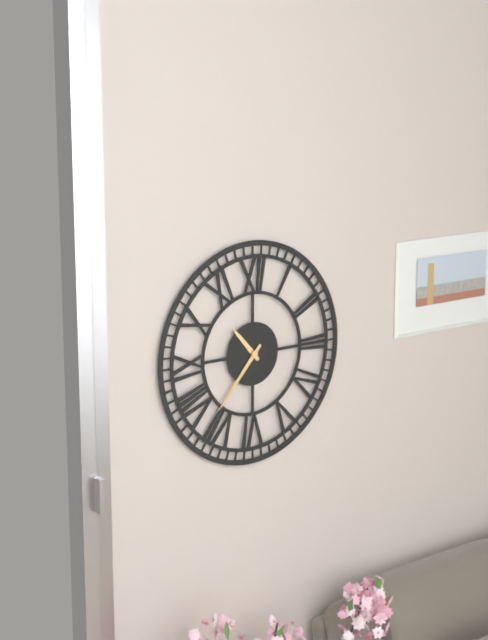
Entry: 10h37
